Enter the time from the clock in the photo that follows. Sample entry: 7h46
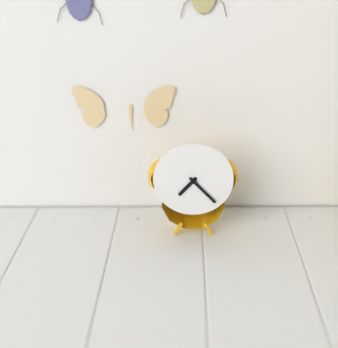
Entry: 7h23
